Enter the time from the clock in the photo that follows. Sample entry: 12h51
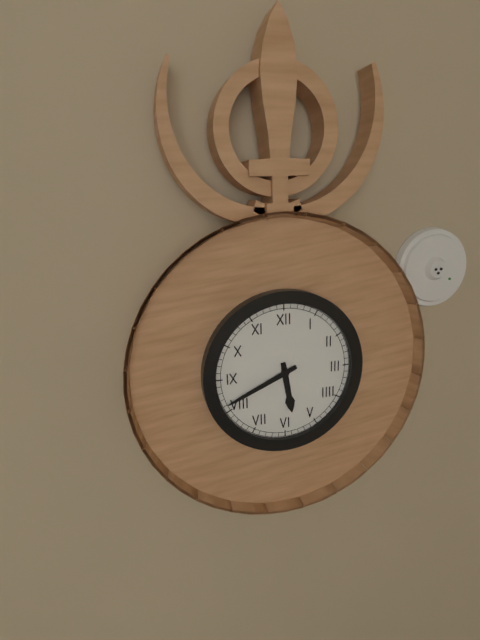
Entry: 5h41
